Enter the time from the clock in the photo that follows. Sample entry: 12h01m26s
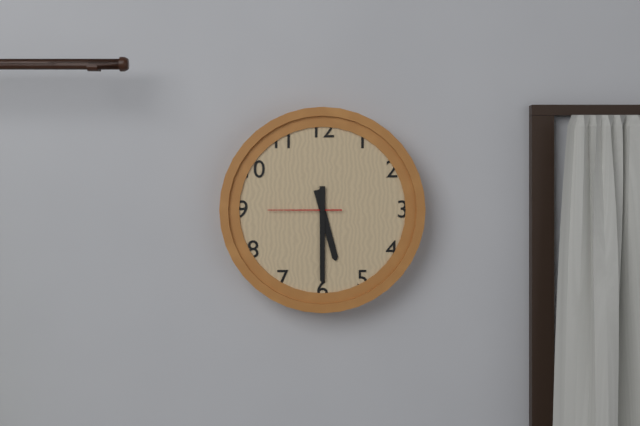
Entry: 5h30m45s
